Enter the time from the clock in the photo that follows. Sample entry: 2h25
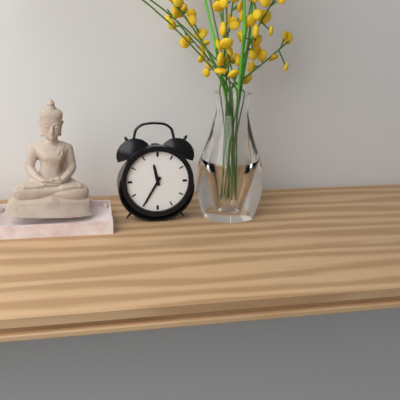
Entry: 11h35
